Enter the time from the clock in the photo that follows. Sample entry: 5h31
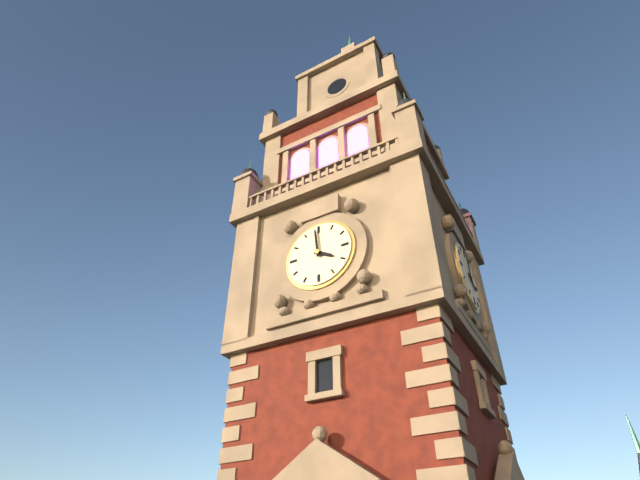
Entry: 3h59
